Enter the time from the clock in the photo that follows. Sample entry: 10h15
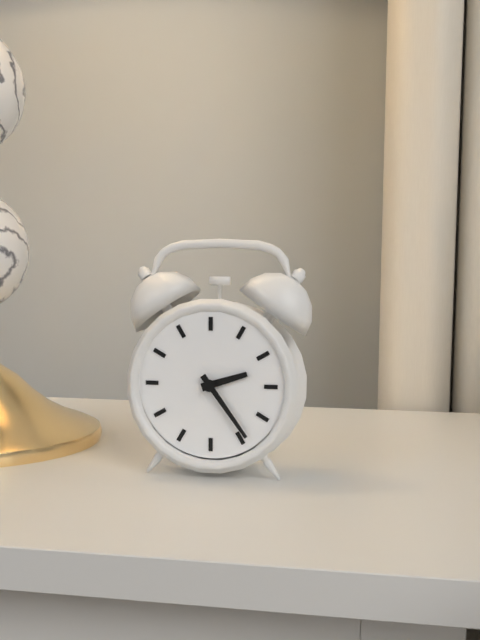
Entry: 2h24
